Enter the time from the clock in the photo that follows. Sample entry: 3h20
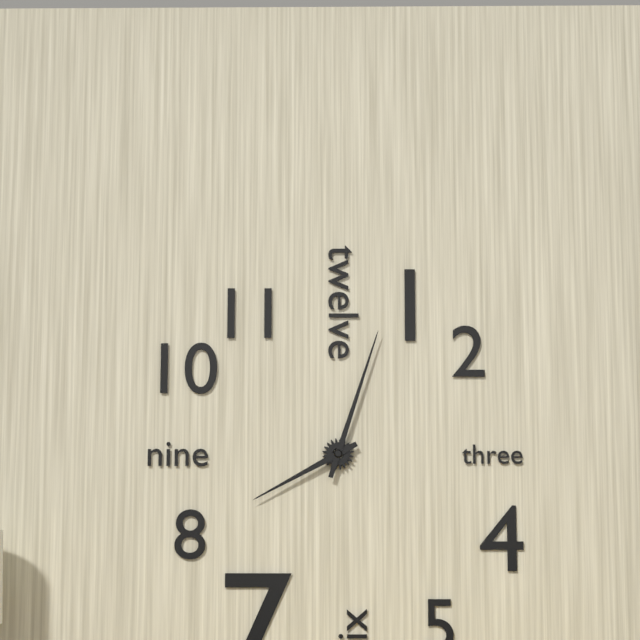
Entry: 8h03
